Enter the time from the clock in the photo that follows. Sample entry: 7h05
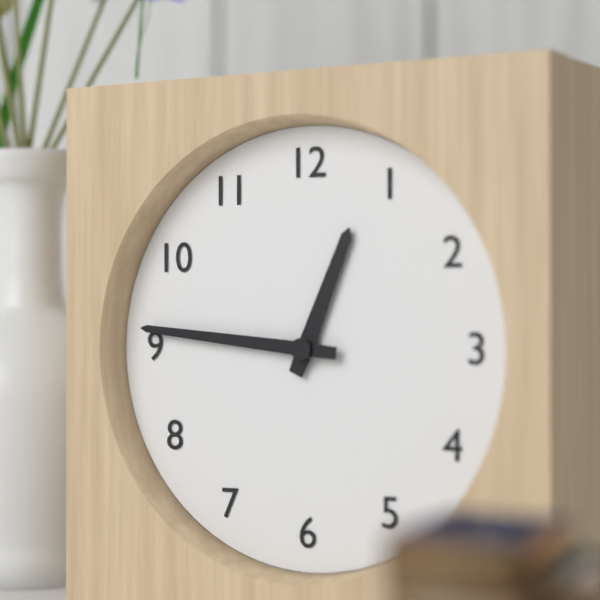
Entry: 12h46
